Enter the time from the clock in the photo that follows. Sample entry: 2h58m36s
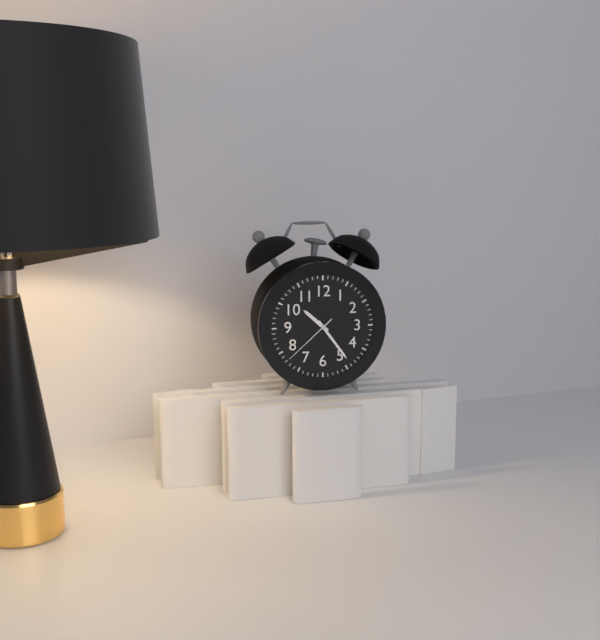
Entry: 10h24m38s
